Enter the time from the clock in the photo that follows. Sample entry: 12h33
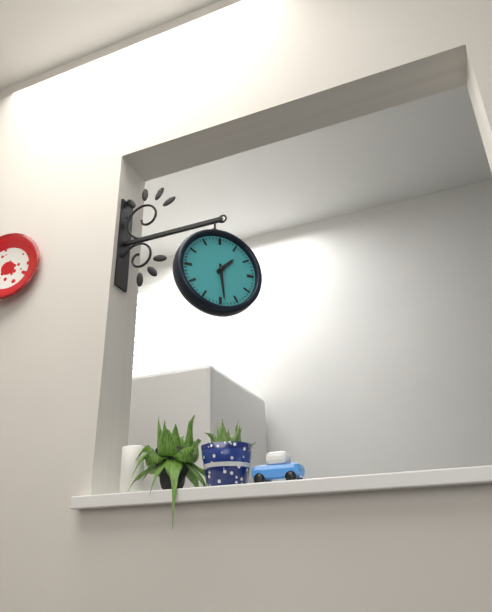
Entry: 1h29
